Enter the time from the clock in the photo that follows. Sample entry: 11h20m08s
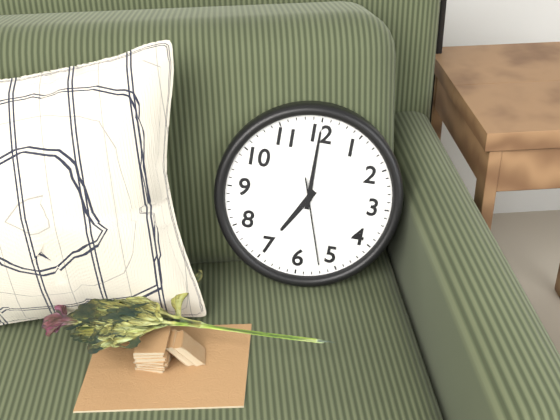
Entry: 7h00m27s
